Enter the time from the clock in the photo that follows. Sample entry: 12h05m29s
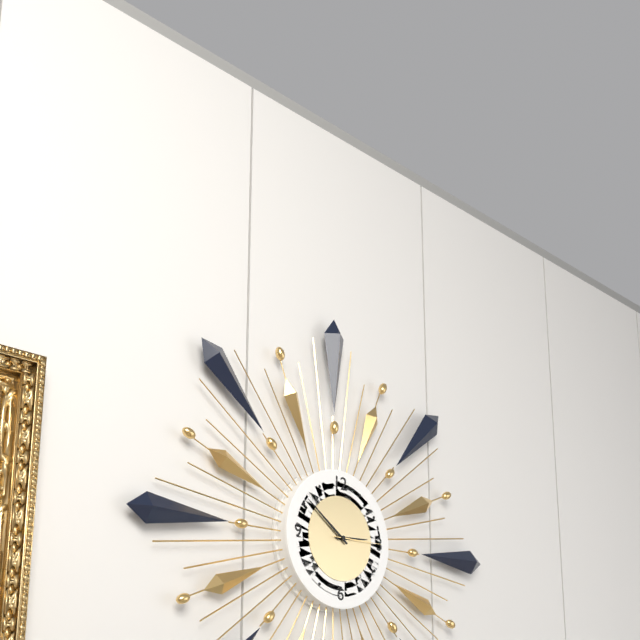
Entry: 2h51m15s
